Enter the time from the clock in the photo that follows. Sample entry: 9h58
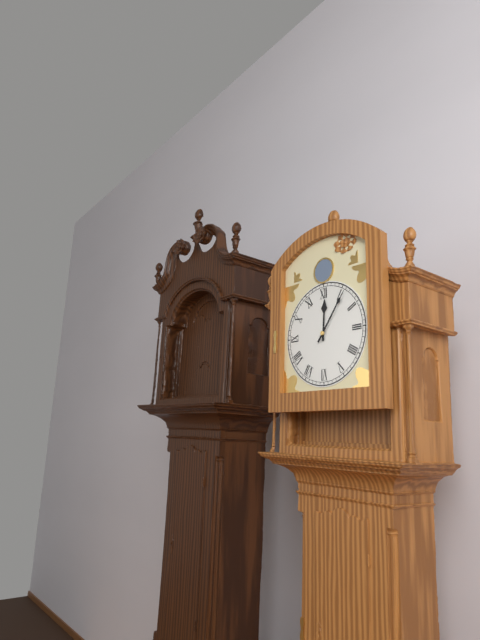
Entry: 12h06
